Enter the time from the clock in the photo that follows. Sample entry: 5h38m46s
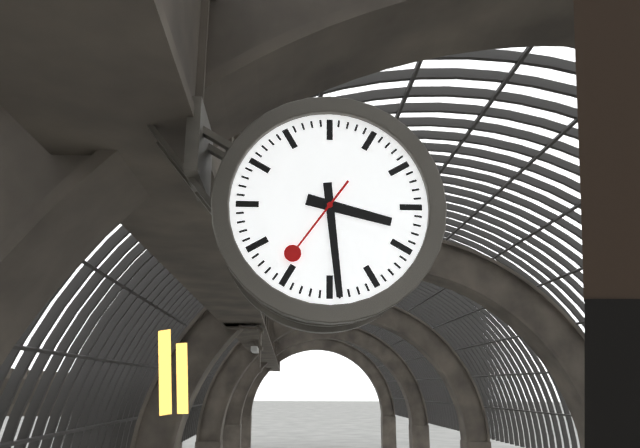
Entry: 3h29m36s
